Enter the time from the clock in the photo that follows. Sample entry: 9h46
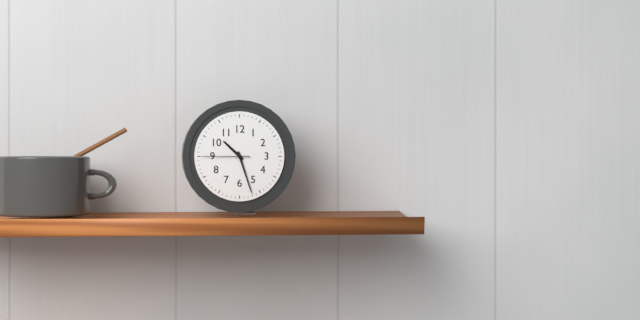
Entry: 10h27
